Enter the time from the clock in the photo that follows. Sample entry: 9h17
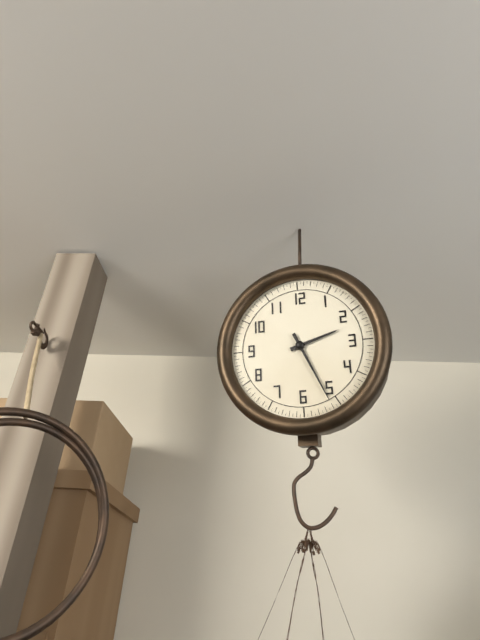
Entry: 2h26
